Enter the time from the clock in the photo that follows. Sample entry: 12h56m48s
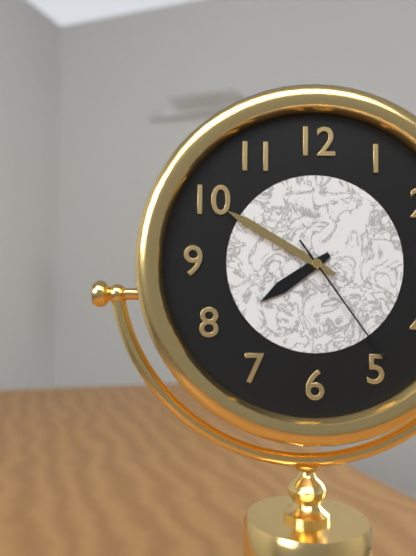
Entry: 7h50m24s
